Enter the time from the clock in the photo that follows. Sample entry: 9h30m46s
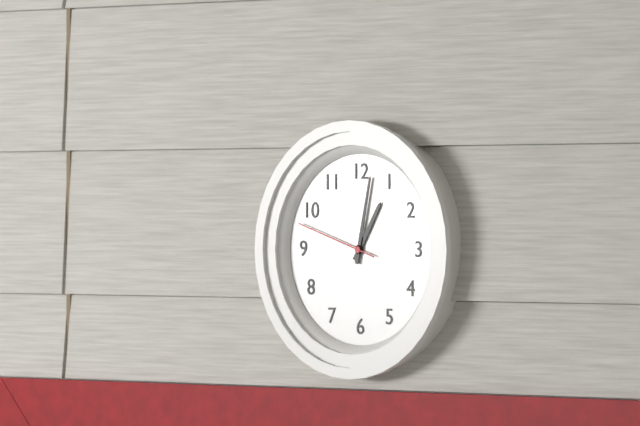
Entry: 1h02m48s
